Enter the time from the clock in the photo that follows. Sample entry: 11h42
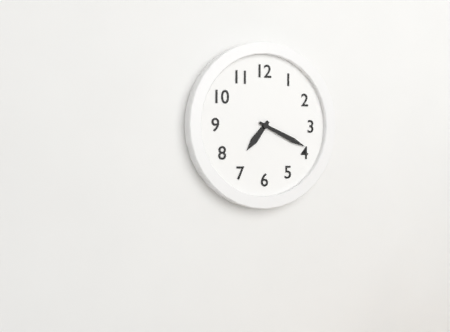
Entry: 7h19
